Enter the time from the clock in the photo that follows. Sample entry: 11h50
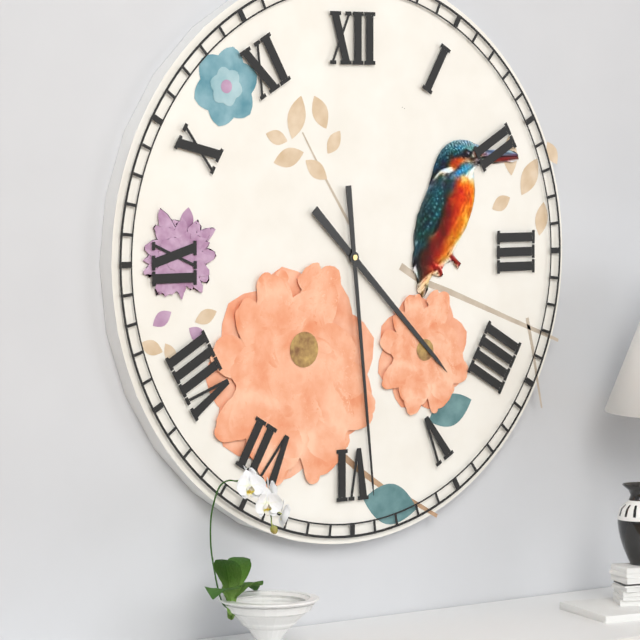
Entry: 4h29
